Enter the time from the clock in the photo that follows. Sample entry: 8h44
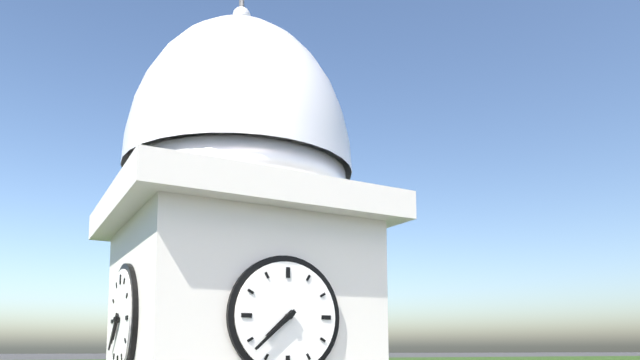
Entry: 7h38
